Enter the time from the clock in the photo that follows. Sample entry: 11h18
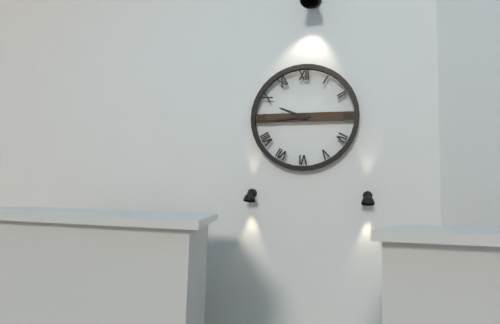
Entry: 9h44
